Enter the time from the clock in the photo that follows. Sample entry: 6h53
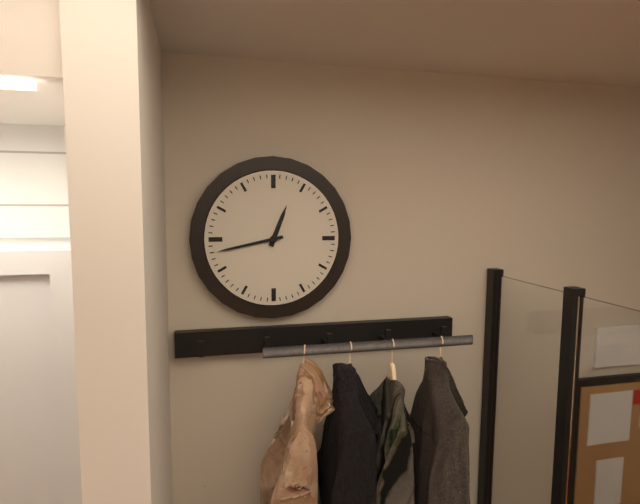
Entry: 12h43
